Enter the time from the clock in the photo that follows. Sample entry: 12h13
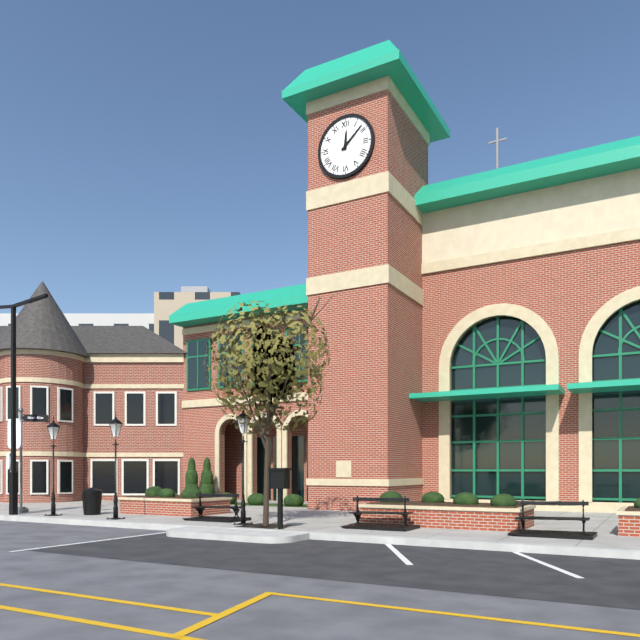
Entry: 12h08
